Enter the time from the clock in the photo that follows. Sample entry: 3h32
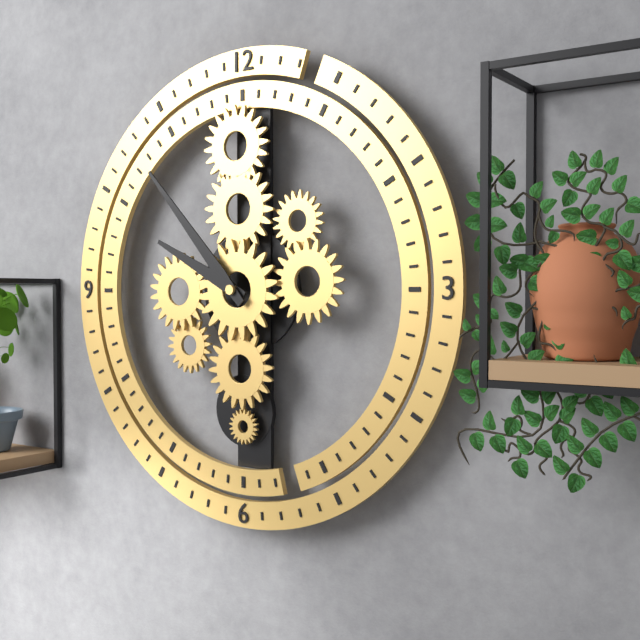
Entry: 9h53
